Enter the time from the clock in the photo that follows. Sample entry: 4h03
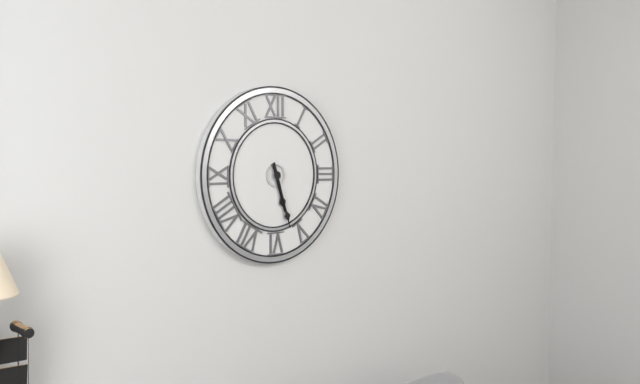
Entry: 5h27
